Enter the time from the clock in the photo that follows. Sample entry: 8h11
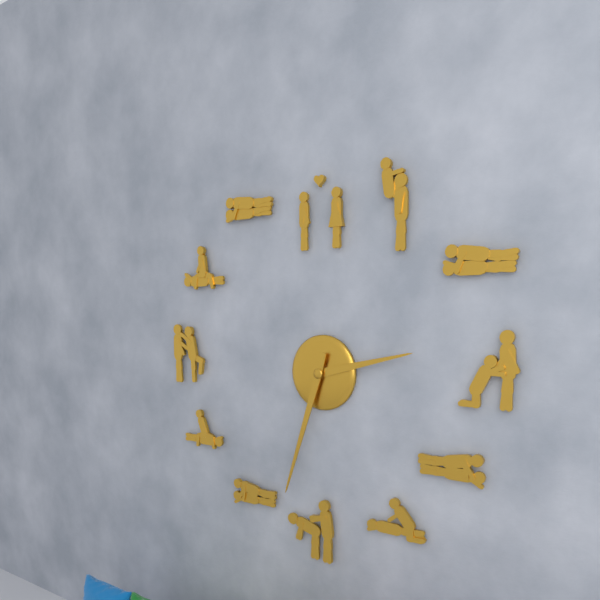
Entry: 2h33
